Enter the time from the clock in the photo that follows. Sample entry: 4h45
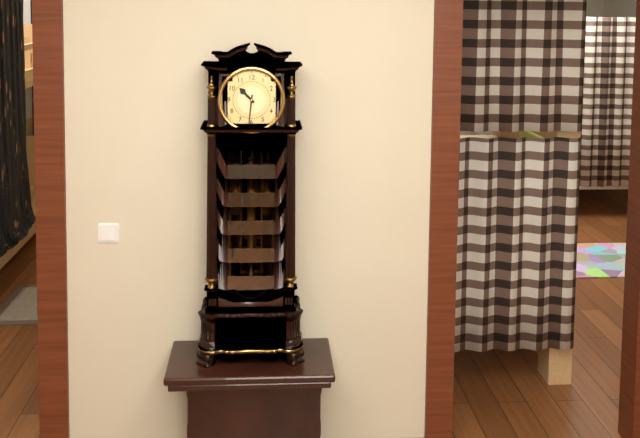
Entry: 10h31
